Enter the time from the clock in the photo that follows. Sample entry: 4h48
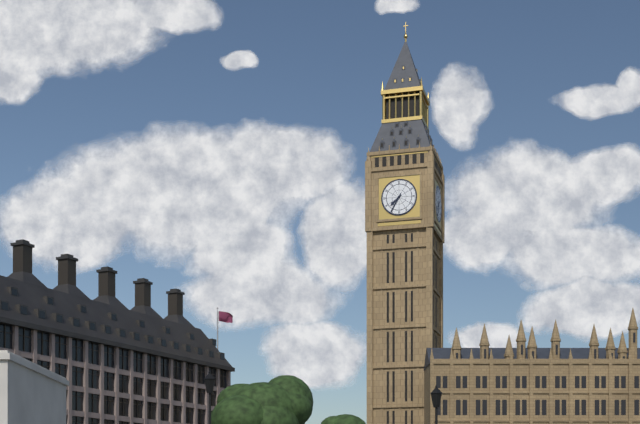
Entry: 7h35
